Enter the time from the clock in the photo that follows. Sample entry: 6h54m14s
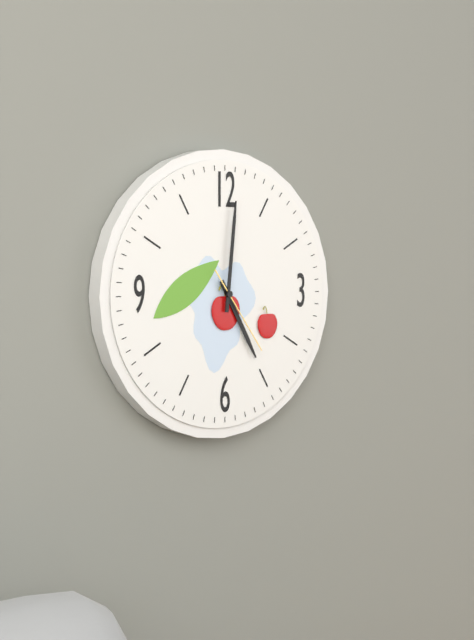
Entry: 5h01m24s
